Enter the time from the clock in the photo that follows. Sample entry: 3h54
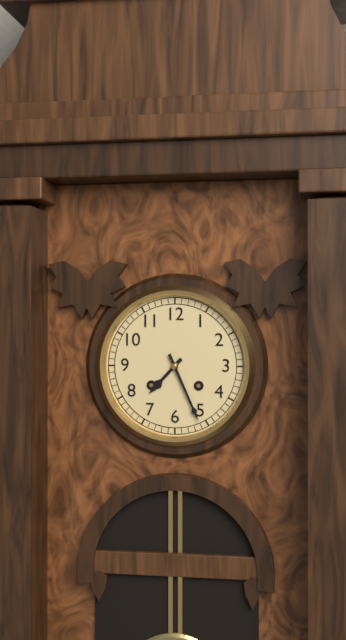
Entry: 7h26
